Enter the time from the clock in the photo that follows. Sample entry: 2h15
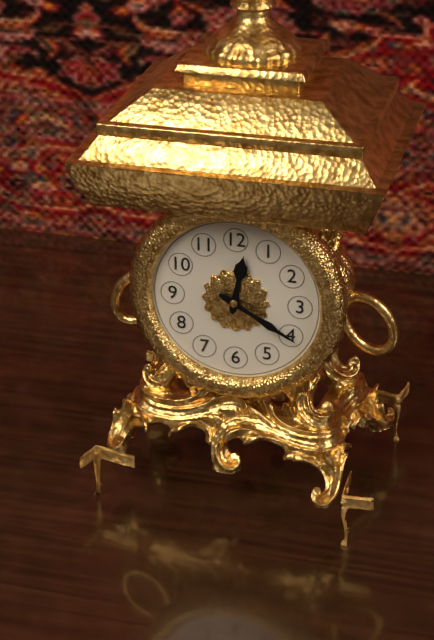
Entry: 12h20
